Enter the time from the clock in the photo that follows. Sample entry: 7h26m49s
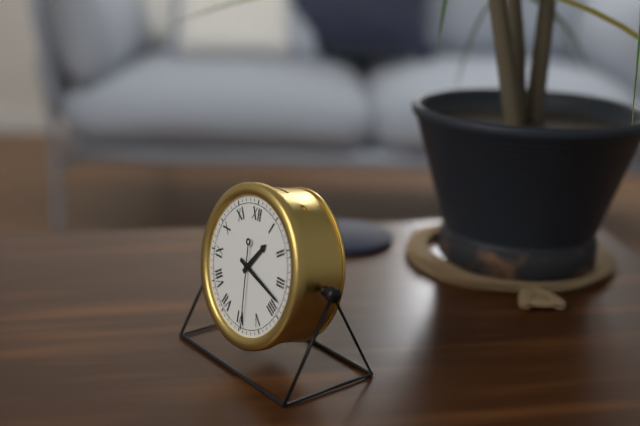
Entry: 1h18m29s
